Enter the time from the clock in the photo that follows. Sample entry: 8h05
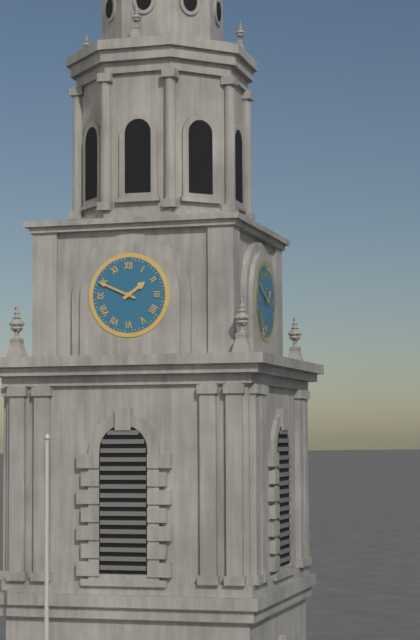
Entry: 1h49
